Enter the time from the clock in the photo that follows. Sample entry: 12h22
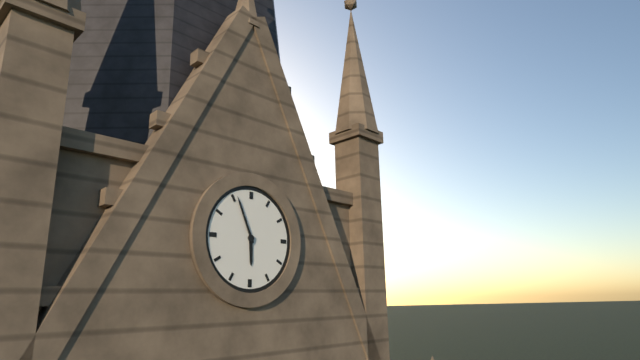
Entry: 5h56
